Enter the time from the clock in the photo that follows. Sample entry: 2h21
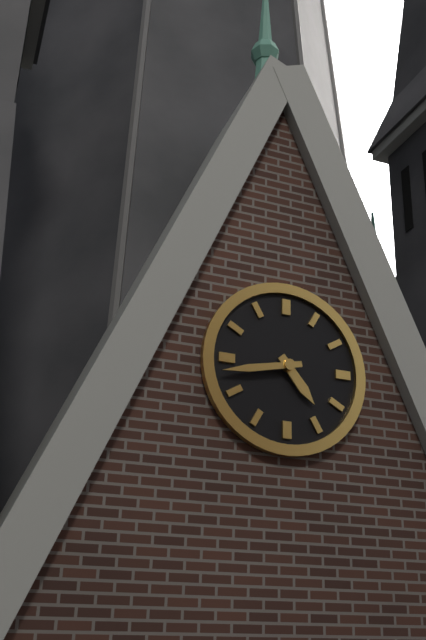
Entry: 4h43
